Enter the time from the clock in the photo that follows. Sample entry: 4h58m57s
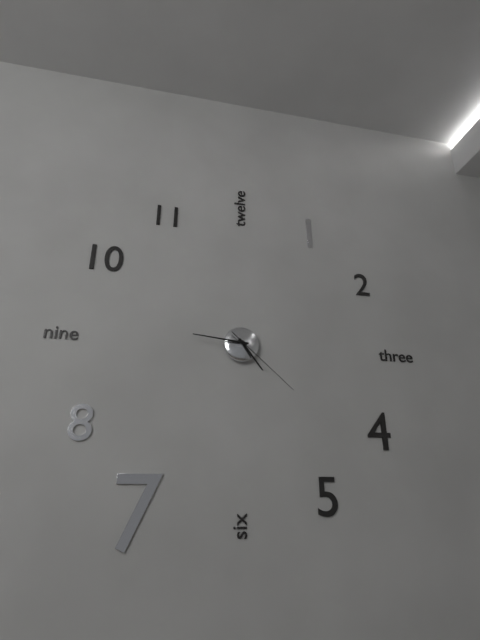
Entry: 4h46m22s
